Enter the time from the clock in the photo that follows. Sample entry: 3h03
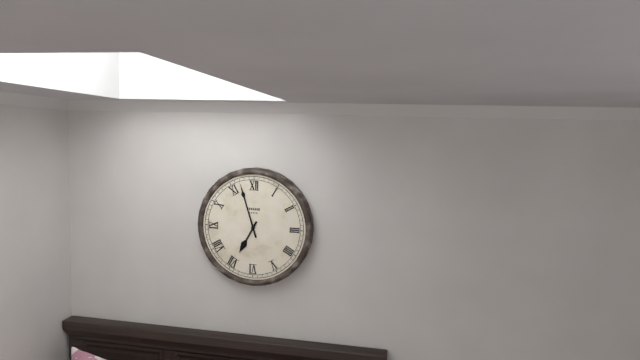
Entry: 6h57
